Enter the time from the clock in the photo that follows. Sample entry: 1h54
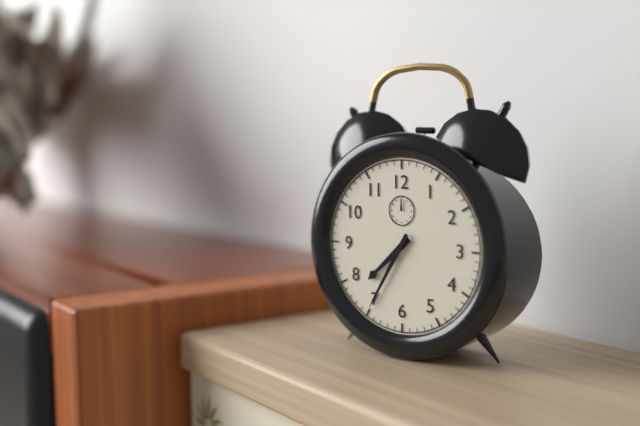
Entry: 7h35
